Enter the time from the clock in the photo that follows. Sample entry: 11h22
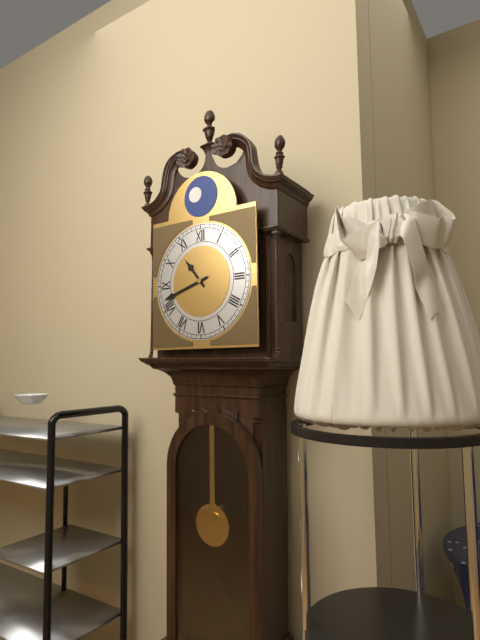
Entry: 10h42
